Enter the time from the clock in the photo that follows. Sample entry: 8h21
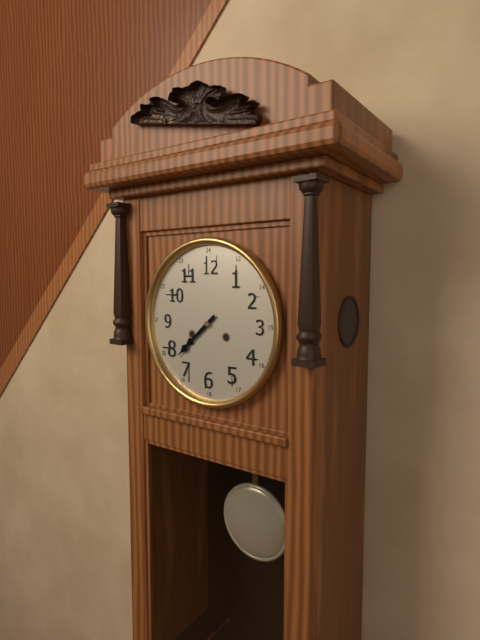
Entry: 7h38
